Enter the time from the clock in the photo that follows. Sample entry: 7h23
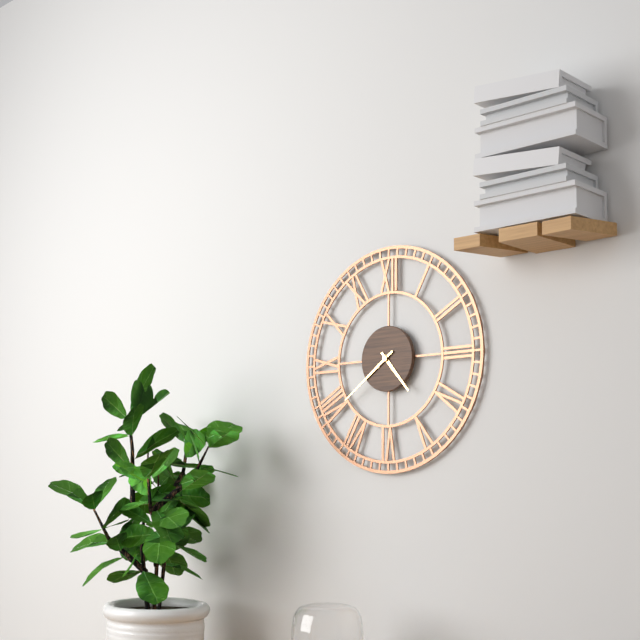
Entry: 4h39
